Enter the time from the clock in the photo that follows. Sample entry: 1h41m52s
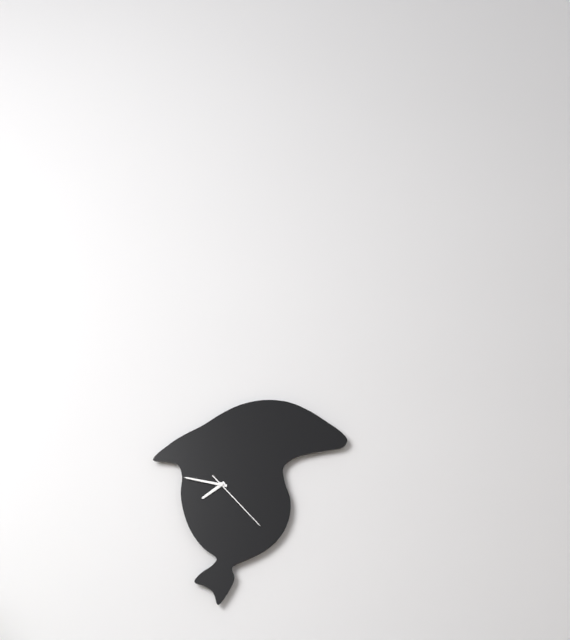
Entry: 7h47m23s
